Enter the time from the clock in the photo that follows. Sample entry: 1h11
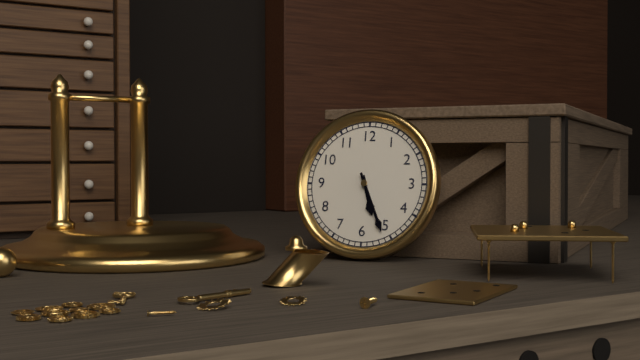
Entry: 5h26
